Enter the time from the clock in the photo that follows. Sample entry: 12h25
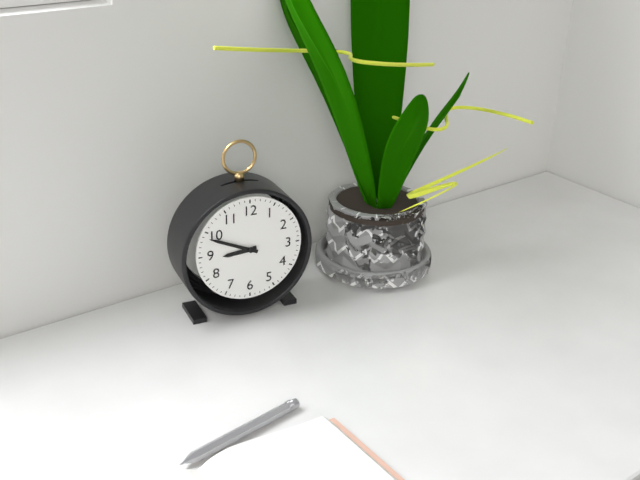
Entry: 8h49
